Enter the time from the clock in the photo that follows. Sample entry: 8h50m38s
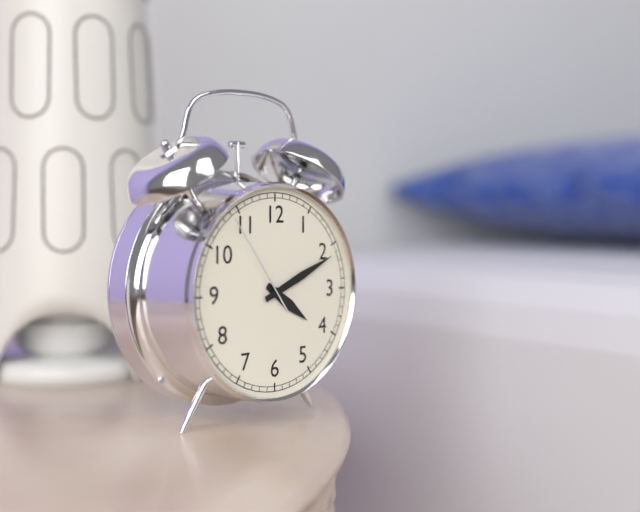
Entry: 4h11m54s
